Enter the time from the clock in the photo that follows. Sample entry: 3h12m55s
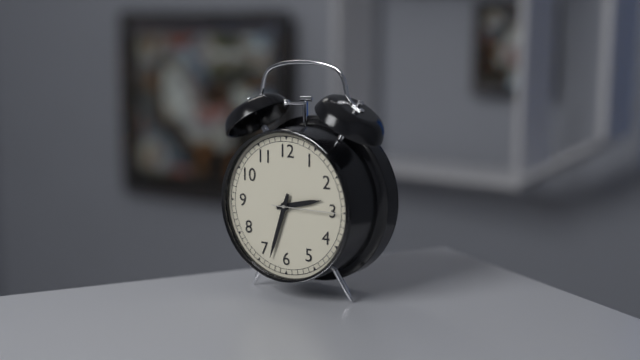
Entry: 2h33m15s
